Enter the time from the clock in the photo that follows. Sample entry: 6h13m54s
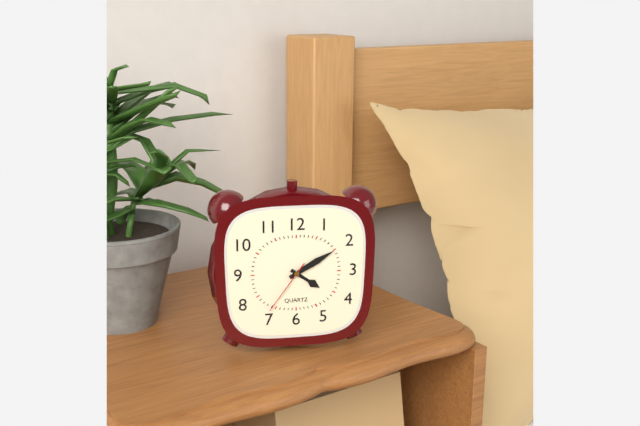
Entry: 4h10m36s
